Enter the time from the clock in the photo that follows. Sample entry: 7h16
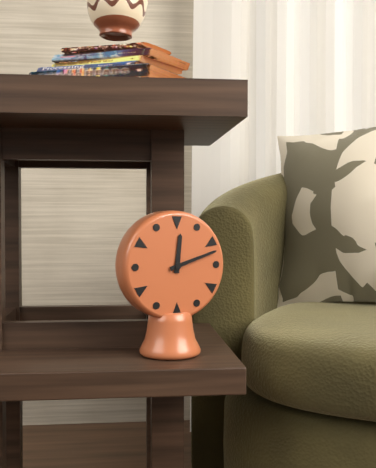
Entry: 12h12
